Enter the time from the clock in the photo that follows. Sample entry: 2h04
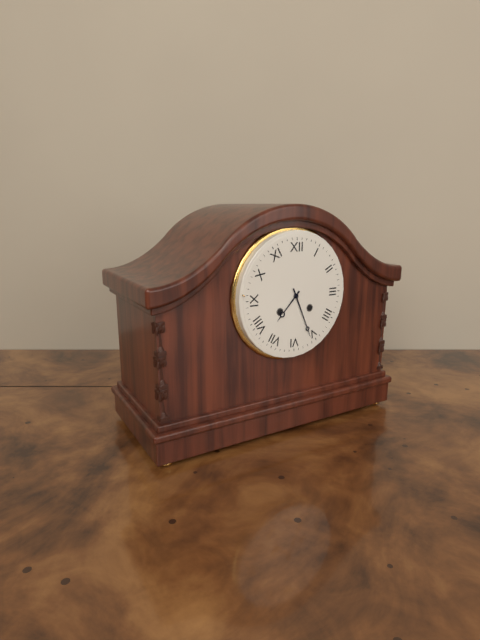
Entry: 7h26
